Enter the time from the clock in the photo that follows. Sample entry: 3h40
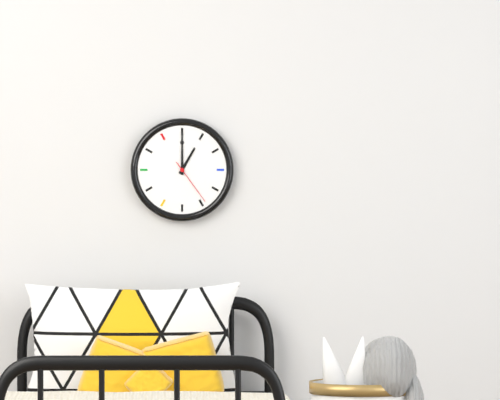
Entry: 1h00
